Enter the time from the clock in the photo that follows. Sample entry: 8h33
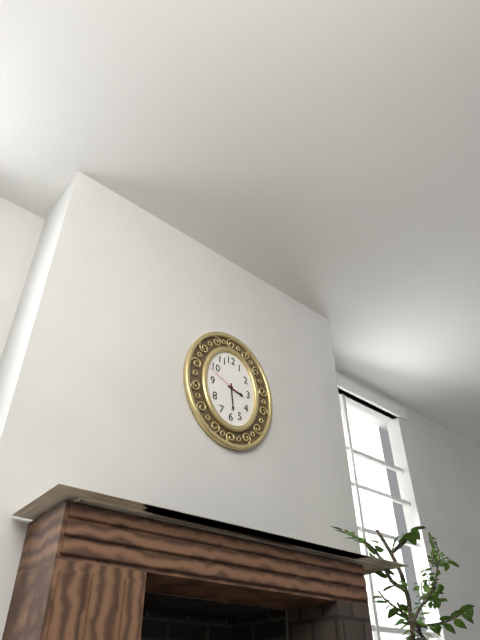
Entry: 3h29
